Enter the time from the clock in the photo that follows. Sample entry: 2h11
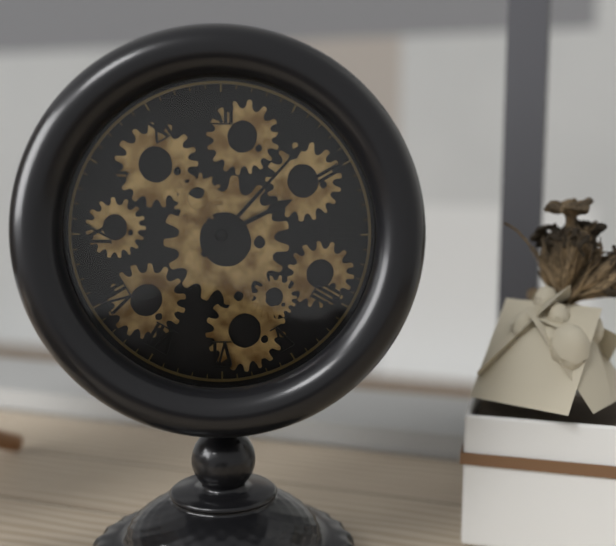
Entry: 2h07
